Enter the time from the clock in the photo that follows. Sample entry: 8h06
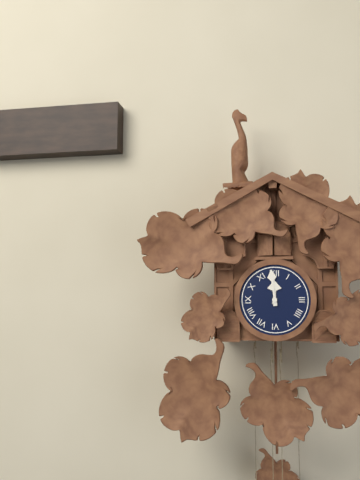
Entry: 11h59
